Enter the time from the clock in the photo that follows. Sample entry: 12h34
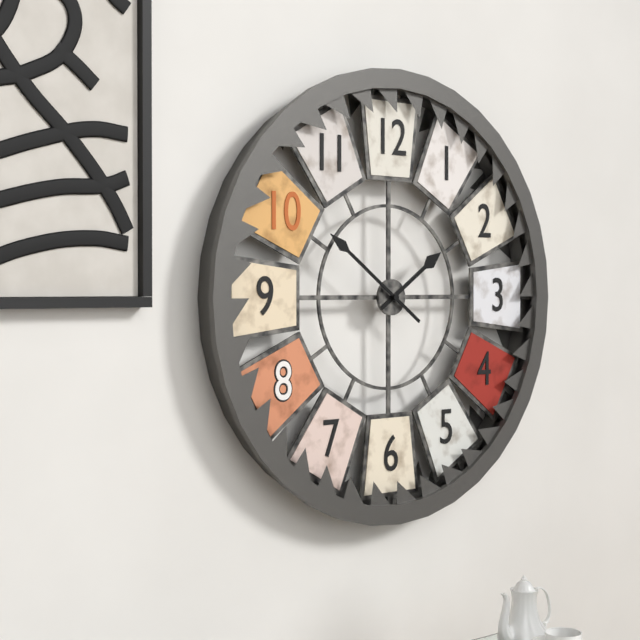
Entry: 1h51
